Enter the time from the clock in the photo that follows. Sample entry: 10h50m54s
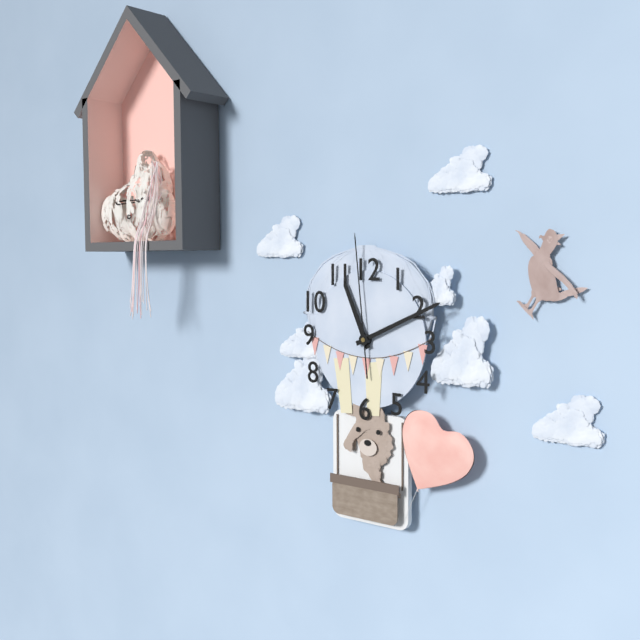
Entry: 11h11m59s
